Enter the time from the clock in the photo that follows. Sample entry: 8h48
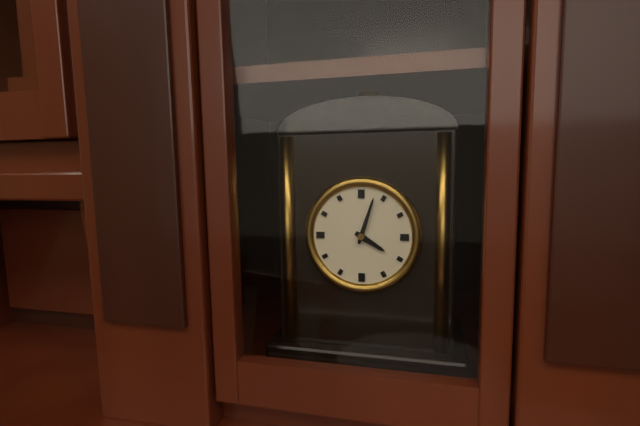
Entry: 4h03
